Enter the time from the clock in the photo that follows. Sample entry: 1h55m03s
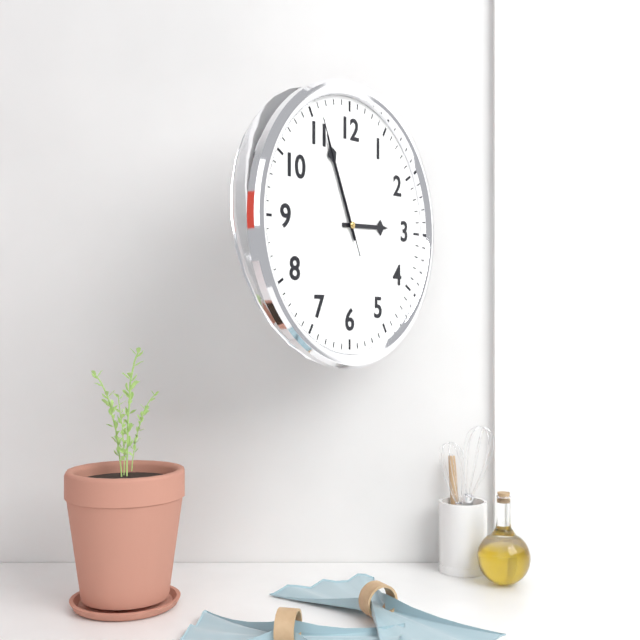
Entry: 2h56m56s
